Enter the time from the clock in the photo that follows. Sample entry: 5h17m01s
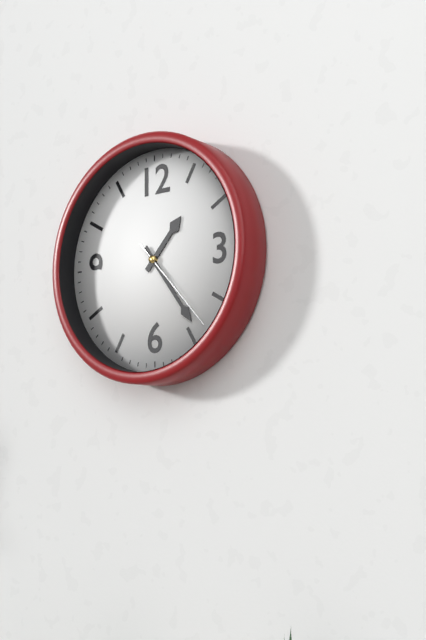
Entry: 1h24m23s
